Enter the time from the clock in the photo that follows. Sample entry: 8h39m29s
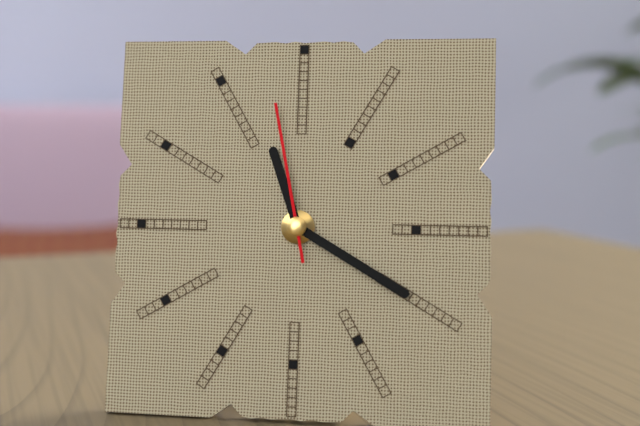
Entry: 11h20m58s
